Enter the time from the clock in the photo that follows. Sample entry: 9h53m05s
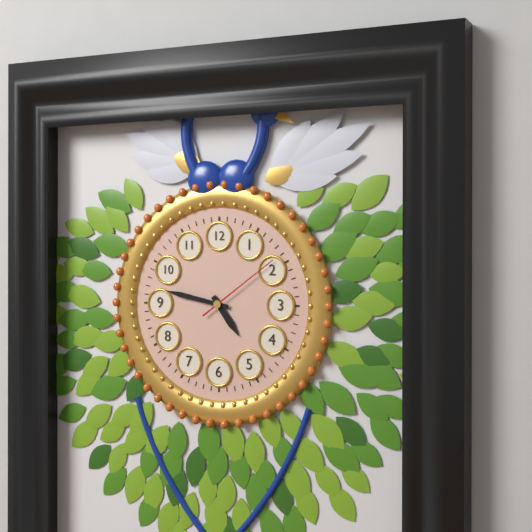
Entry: 4h47m09s
